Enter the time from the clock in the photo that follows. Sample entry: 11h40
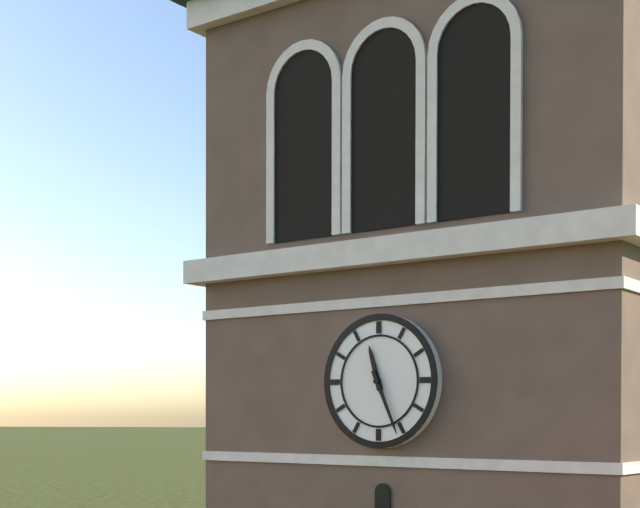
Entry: 11h26
